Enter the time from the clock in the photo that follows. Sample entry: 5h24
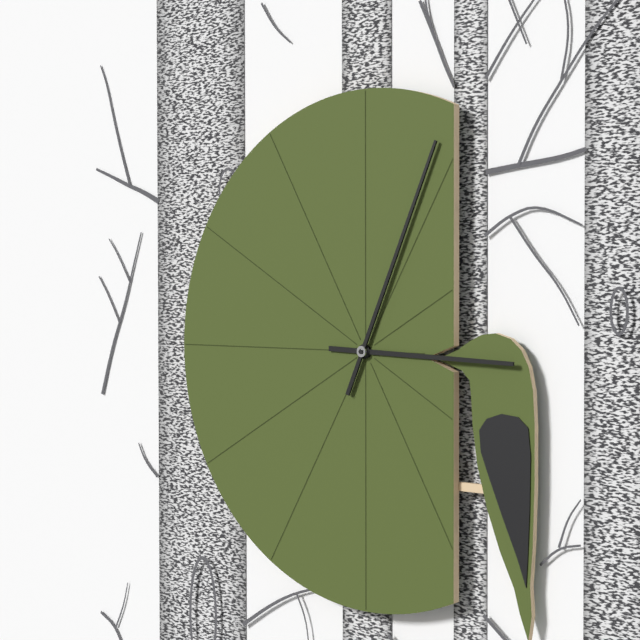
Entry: 3h04
